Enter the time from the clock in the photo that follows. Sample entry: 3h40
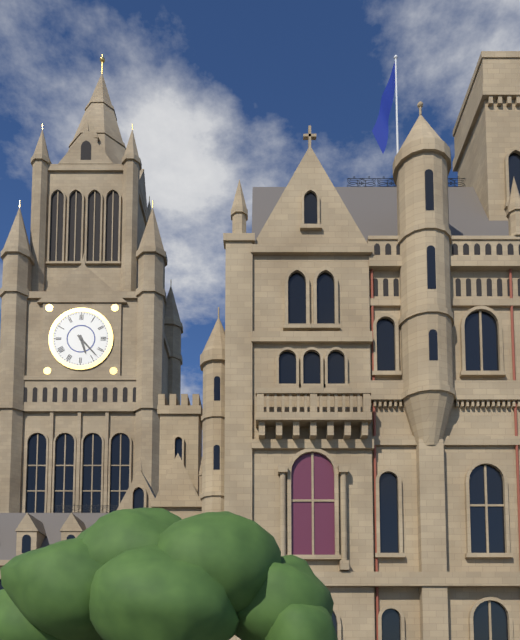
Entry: 5h23
